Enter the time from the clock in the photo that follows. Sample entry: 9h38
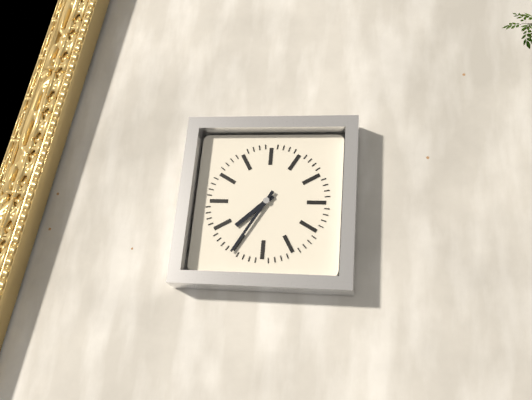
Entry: 7h35
